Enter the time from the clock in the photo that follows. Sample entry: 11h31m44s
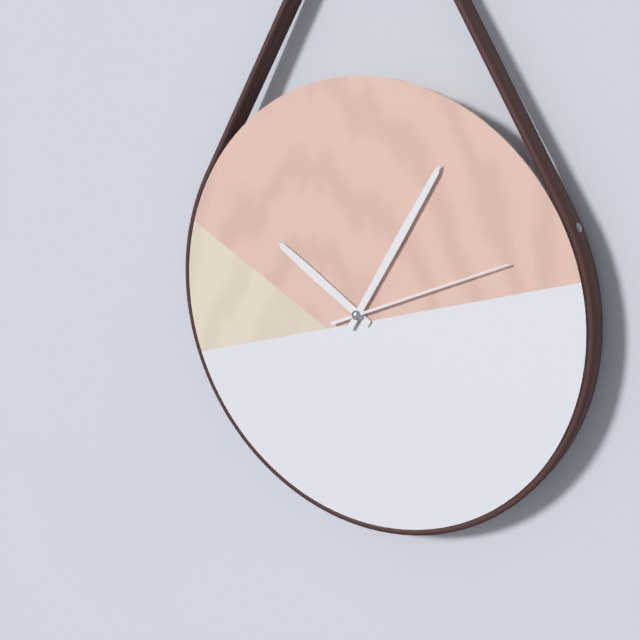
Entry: 10h05m11s
